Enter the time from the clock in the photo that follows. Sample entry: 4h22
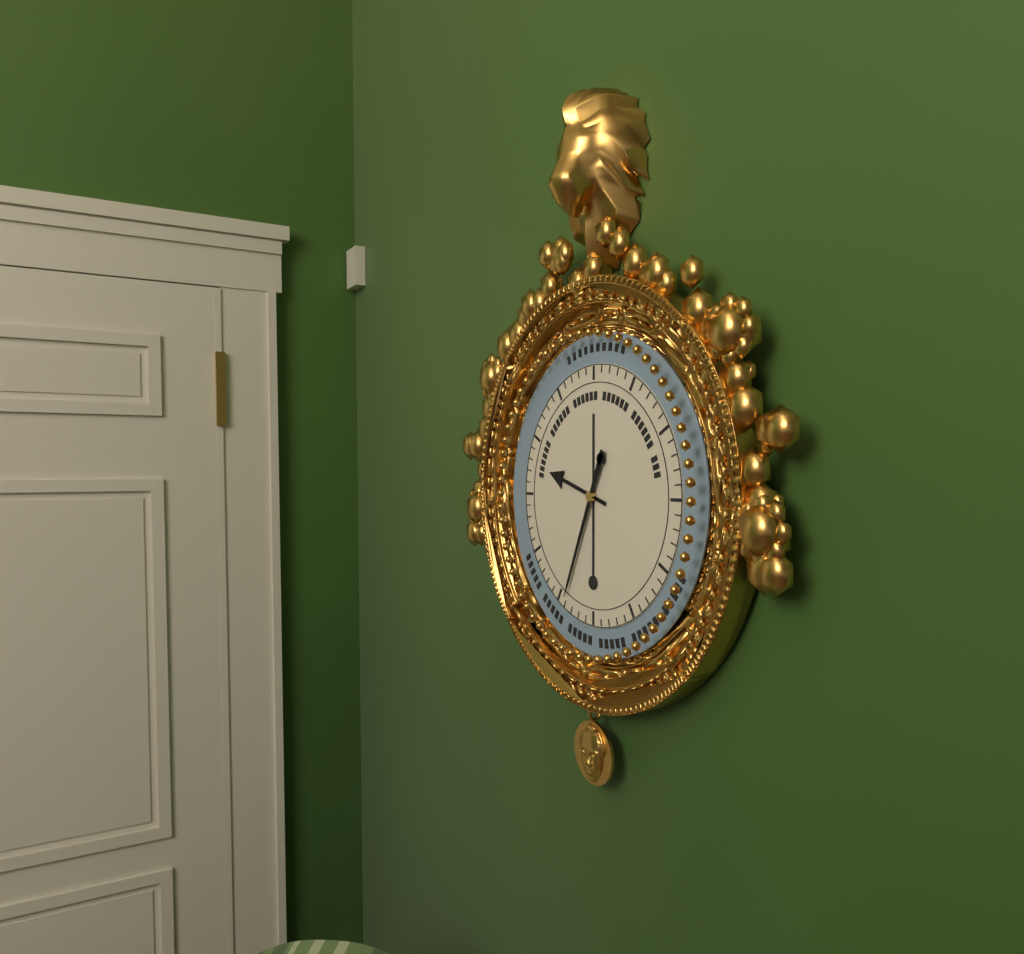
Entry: 9h34
